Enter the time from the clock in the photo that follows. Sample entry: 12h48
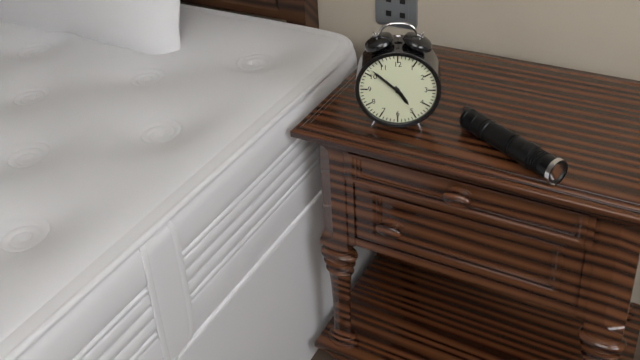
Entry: 4h52
